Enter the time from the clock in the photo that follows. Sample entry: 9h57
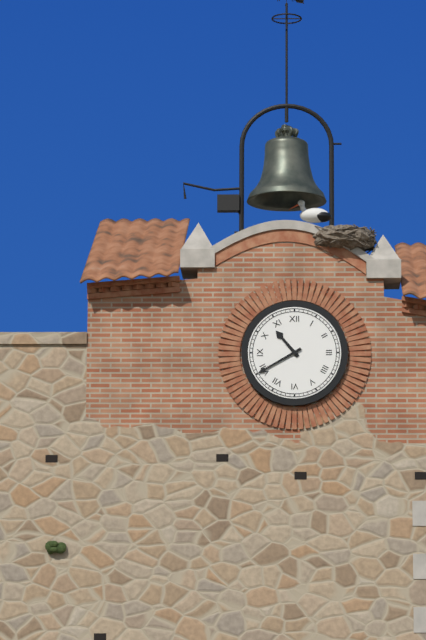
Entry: 10h40
